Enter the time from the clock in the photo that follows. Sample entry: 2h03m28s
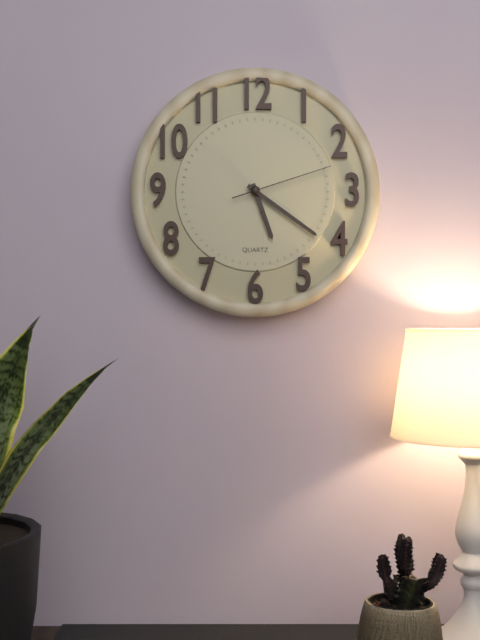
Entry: 5h21m12s
